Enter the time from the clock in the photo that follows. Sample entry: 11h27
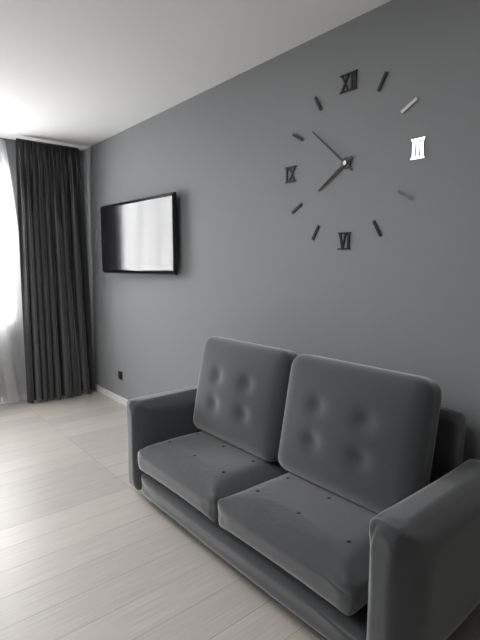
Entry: 7h52
